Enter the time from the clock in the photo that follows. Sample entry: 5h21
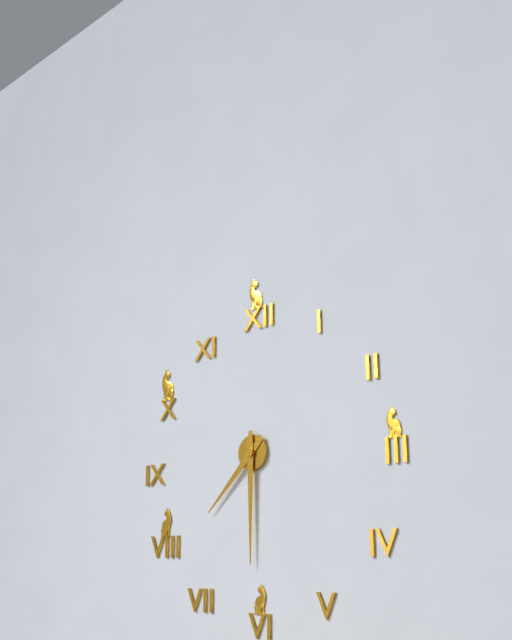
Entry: 7h30
